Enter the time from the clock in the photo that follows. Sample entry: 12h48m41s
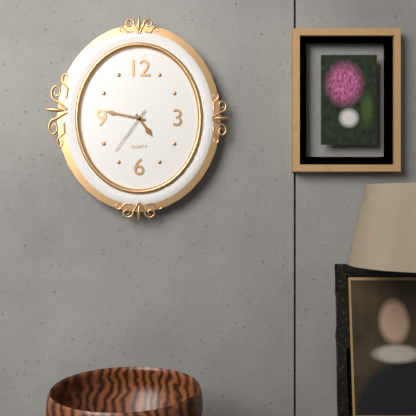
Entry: 4h47m36s
